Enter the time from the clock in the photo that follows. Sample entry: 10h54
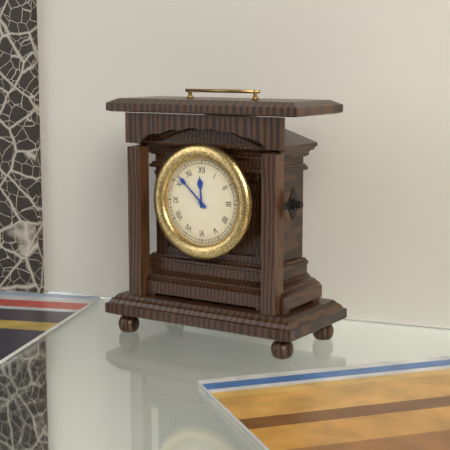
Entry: 11h52
